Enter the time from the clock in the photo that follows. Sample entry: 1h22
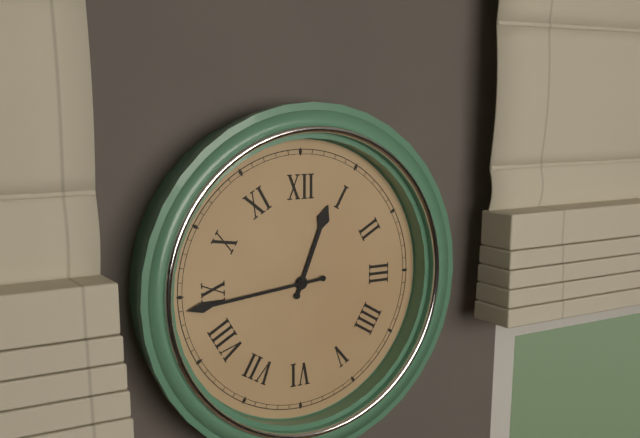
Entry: 12h44
